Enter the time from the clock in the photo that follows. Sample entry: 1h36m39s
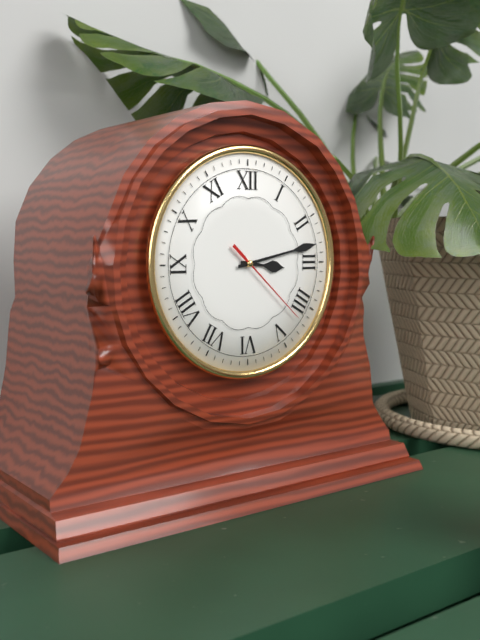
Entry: 3h13m22s
